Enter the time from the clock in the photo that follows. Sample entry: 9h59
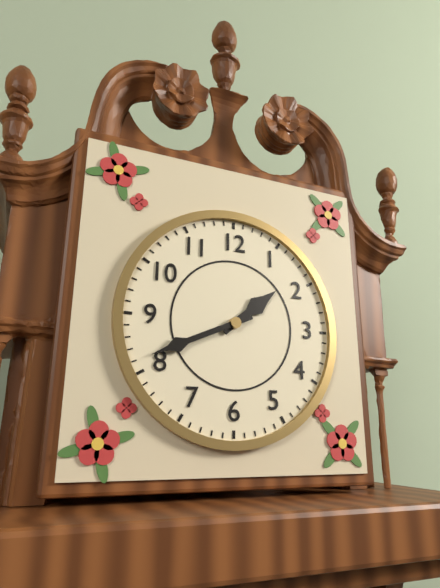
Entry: 1h41
